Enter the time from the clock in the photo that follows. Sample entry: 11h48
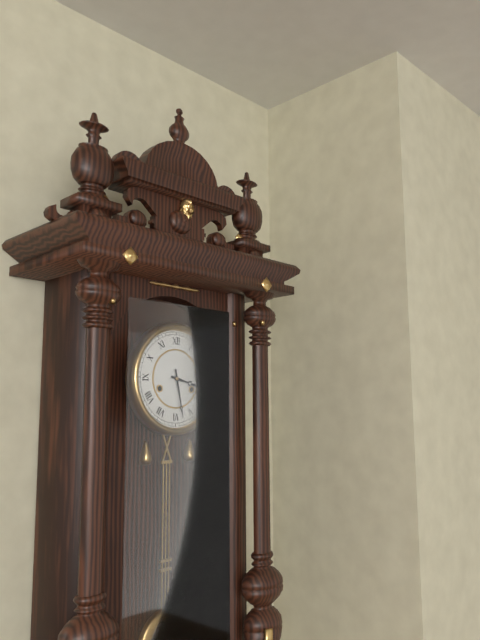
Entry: 3h28
